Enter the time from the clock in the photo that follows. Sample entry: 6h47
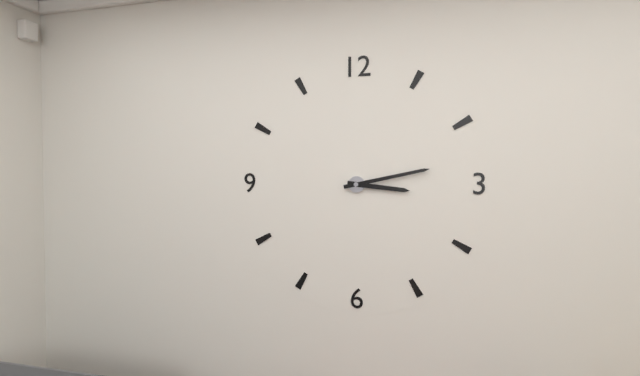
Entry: 3h13
